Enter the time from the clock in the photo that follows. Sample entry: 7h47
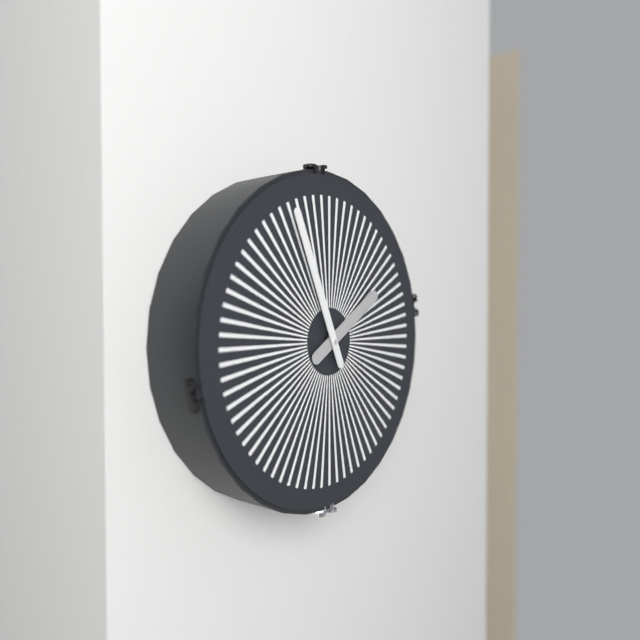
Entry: 1h56
